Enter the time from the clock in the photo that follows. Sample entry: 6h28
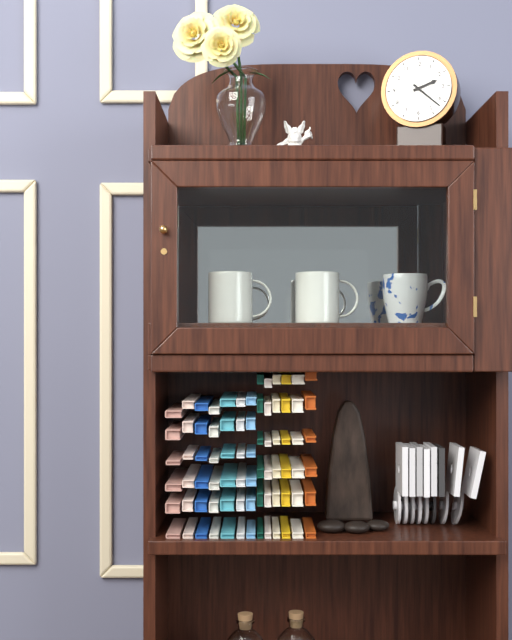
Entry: 2h22
